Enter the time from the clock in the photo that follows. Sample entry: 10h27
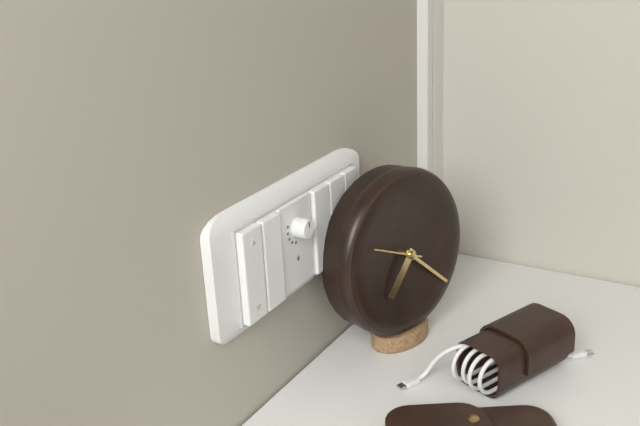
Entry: 7h22
